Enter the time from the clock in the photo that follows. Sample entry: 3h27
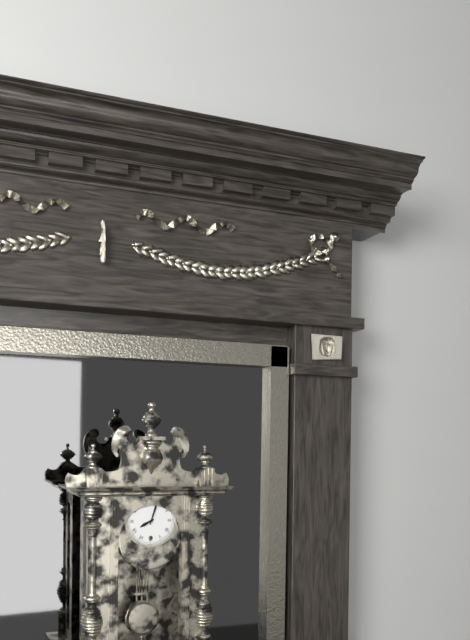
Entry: 8h03
